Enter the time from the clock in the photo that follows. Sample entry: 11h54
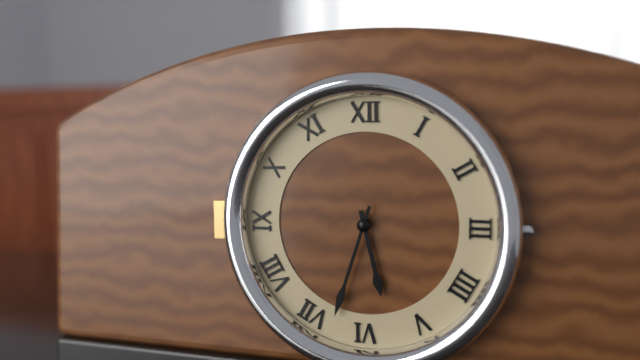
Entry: 5h33
